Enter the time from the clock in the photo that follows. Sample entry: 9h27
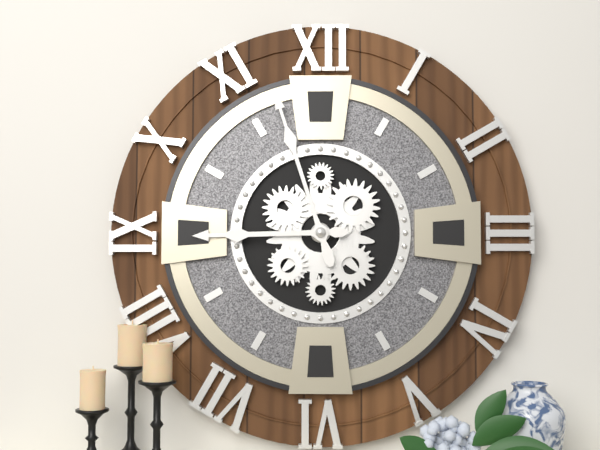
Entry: 8h57
